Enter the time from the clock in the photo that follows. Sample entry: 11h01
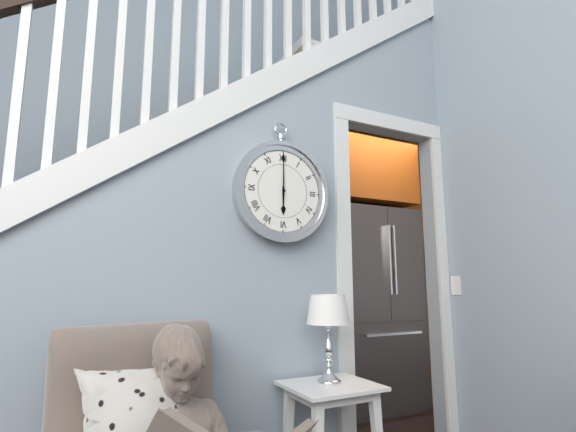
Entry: 6h00
